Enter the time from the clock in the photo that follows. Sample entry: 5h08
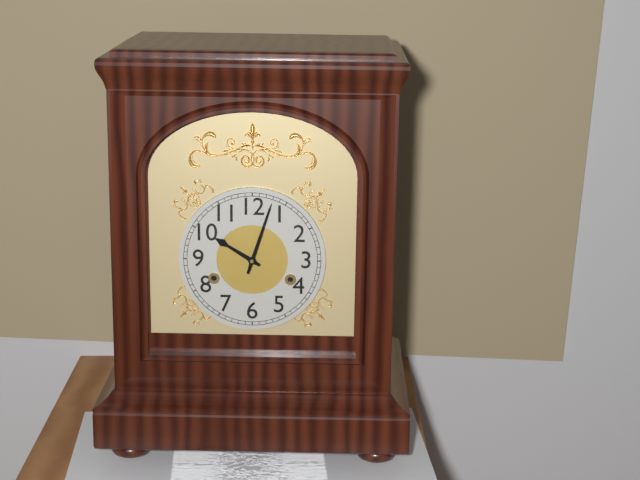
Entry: 10h03
